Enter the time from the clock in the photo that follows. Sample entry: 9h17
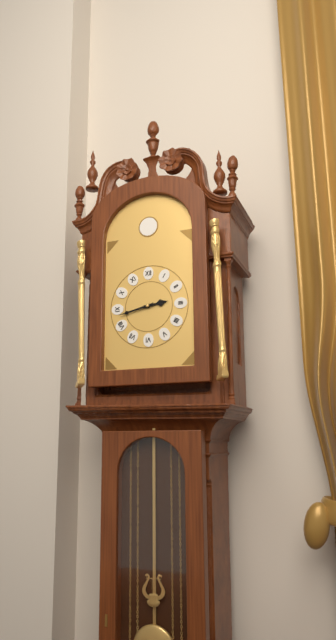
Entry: 2h43
